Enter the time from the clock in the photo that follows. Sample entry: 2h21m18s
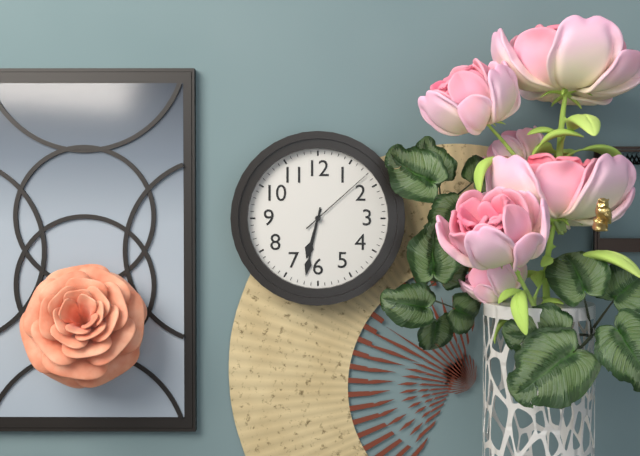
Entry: 6h32m08s
